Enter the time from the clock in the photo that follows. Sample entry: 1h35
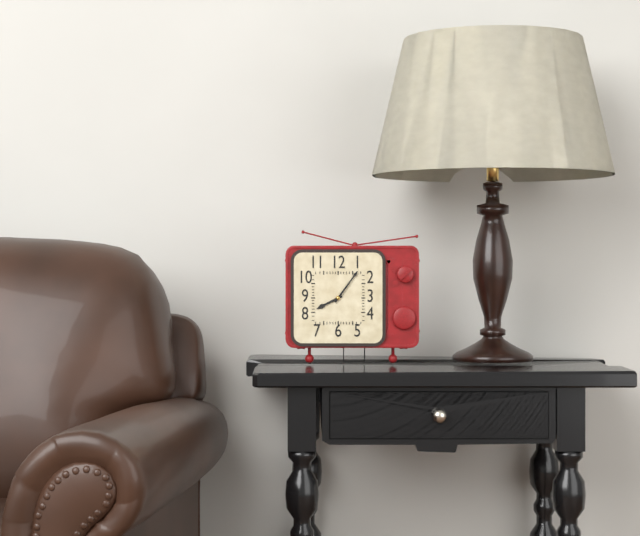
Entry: 8h06
